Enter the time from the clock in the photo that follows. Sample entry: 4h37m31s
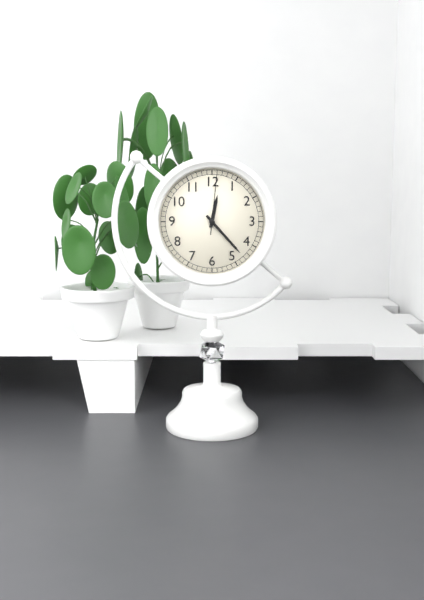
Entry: 12h23m01s
